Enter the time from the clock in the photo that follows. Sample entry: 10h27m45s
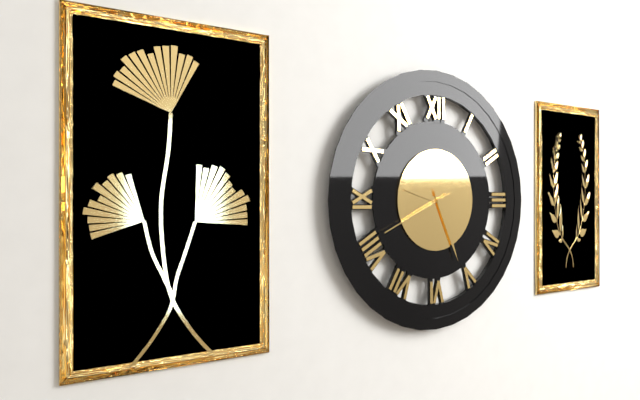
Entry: 9h26m41s
